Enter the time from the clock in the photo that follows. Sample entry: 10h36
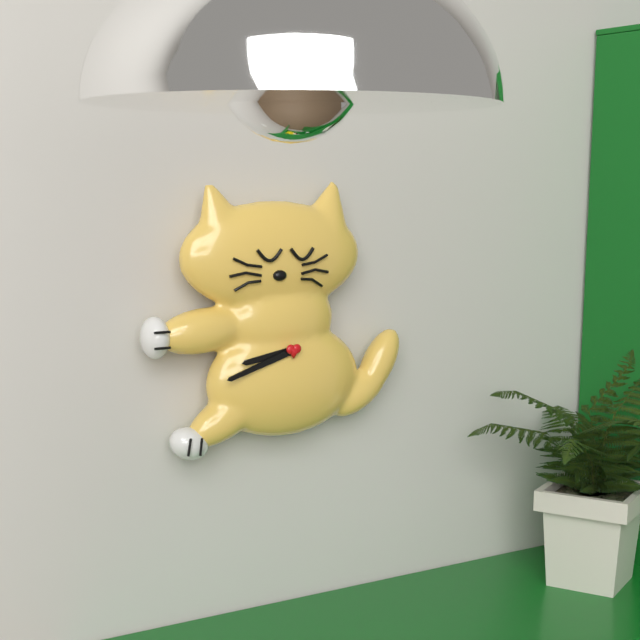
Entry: 8h42
